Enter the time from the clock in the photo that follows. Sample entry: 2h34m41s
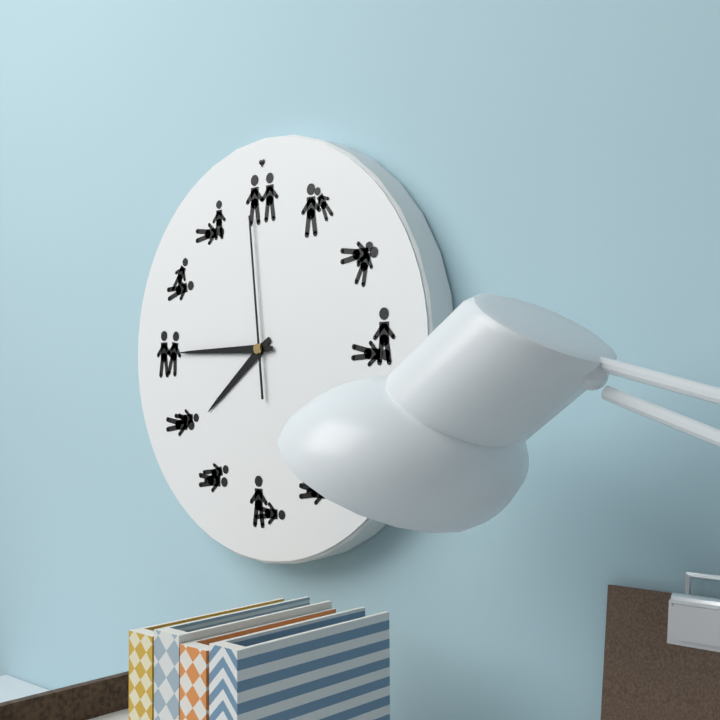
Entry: 7h45m59s
